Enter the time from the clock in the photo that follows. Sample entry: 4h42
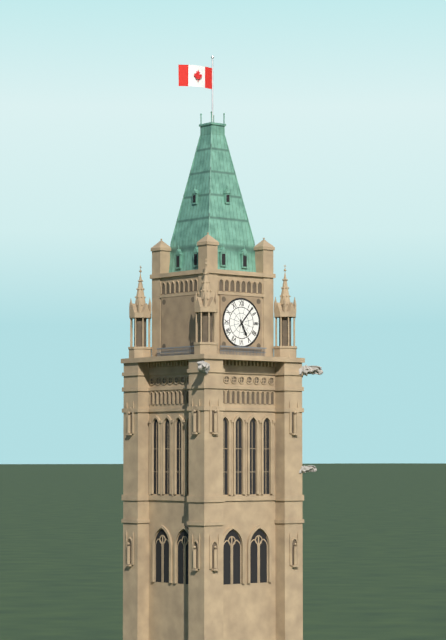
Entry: 5h07
